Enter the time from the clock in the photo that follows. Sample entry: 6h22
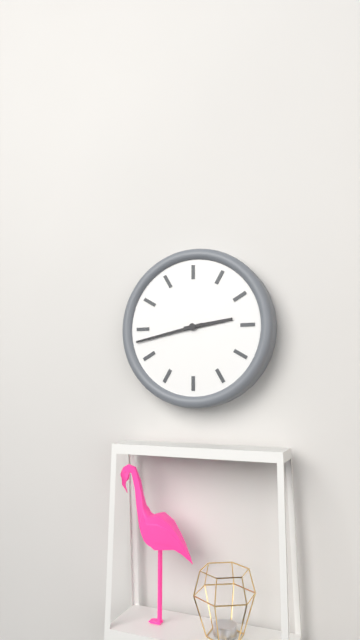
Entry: 2h43
